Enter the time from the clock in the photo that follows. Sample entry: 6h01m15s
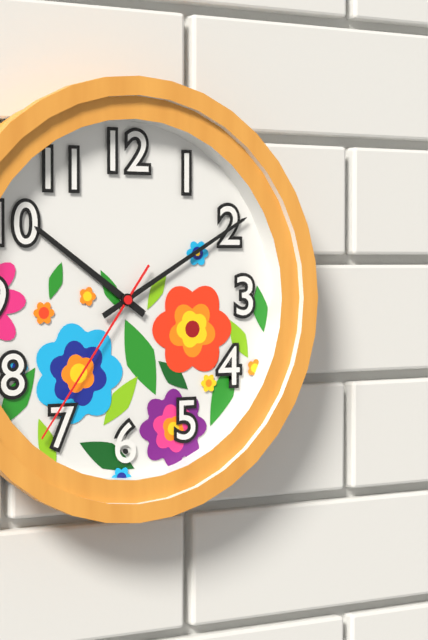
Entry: 10h10m36s
